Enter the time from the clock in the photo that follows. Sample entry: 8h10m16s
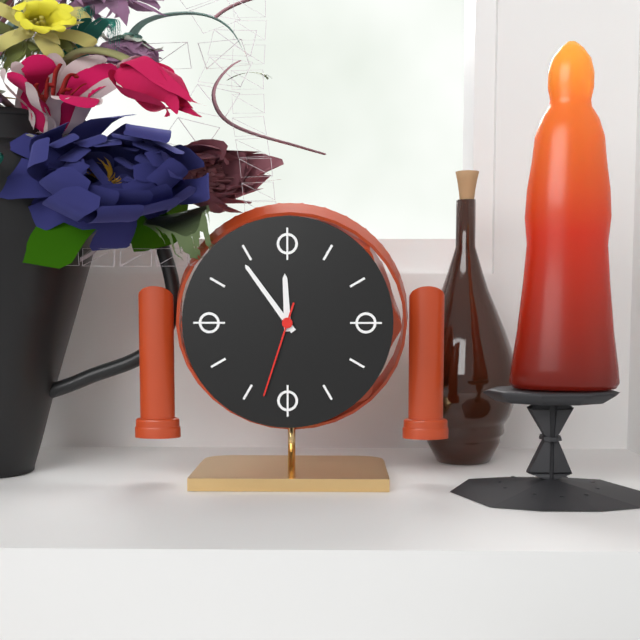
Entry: 11h54m33s
